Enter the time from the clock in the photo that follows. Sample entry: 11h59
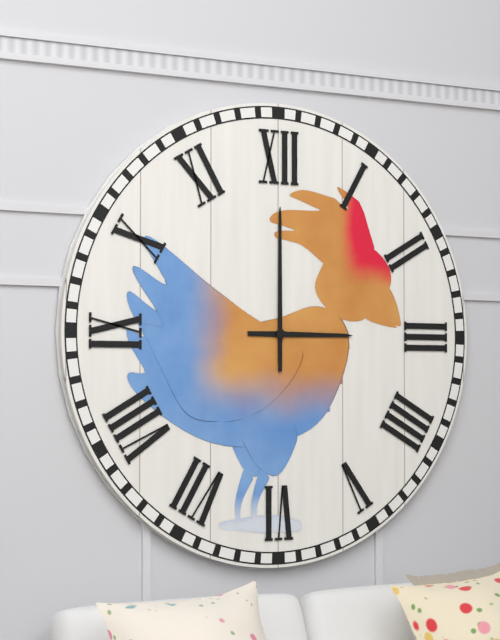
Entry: 3h00
